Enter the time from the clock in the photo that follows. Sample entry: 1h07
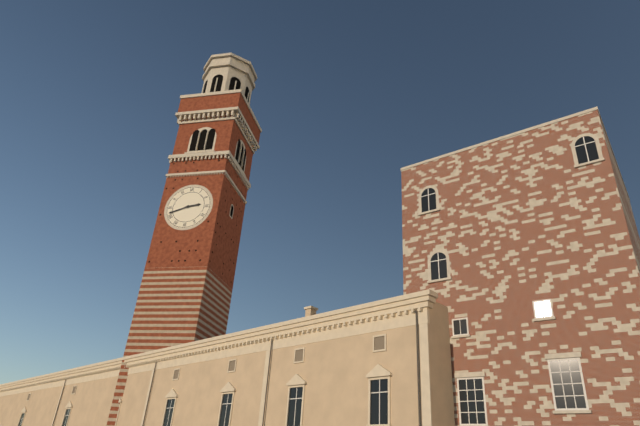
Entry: 2h42
